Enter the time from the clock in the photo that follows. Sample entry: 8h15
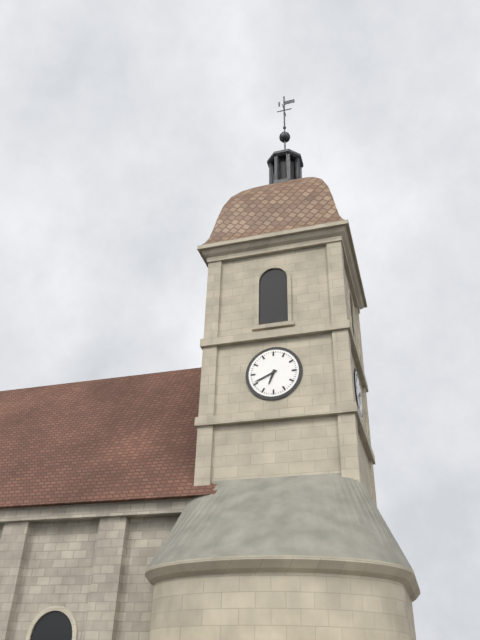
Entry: 6h41
